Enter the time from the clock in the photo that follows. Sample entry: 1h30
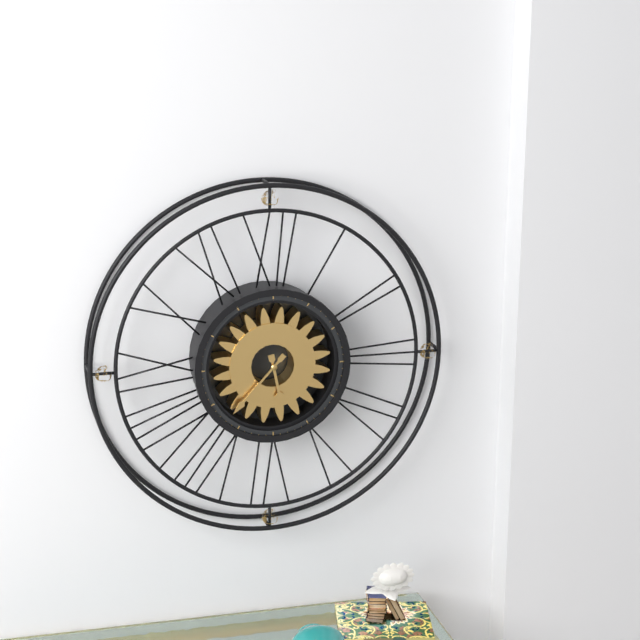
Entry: 5h37
